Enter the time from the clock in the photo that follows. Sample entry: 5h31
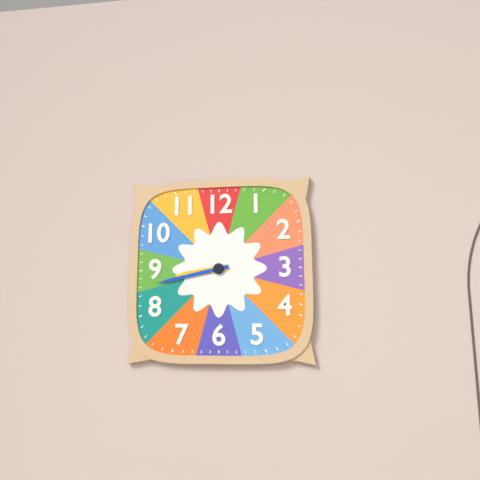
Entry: 8h43
